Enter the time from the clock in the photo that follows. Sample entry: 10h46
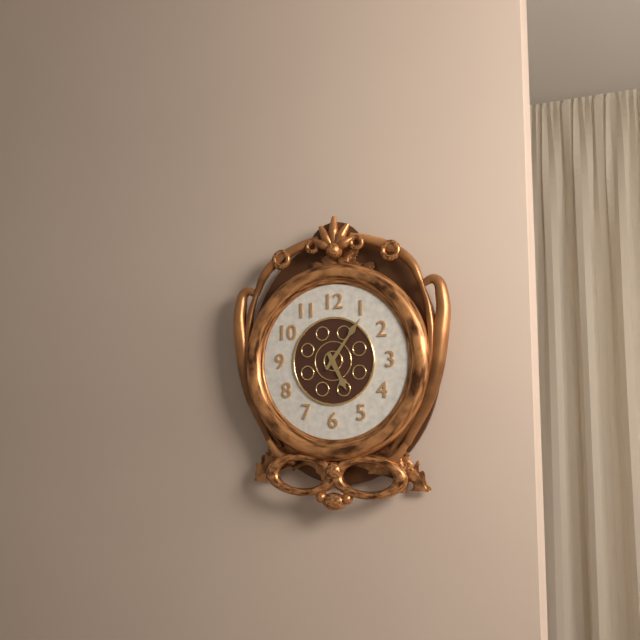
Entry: 5h06
